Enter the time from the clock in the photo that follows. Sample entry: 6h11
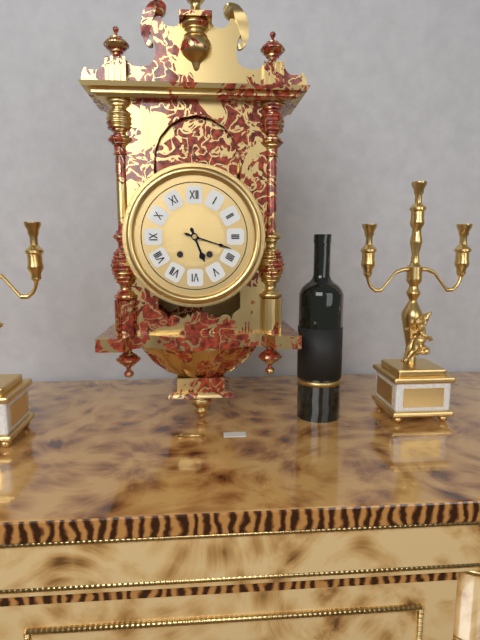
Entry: 5h18
